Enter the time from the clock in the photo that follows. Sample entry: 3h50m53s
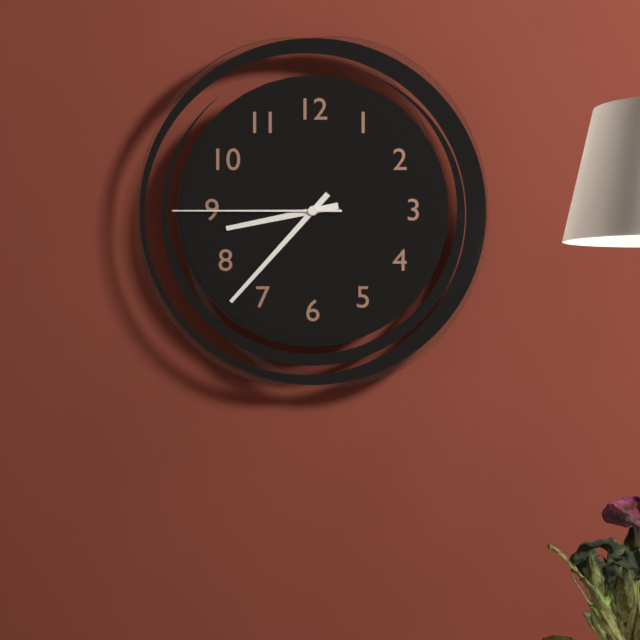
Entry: 8h37m45s
